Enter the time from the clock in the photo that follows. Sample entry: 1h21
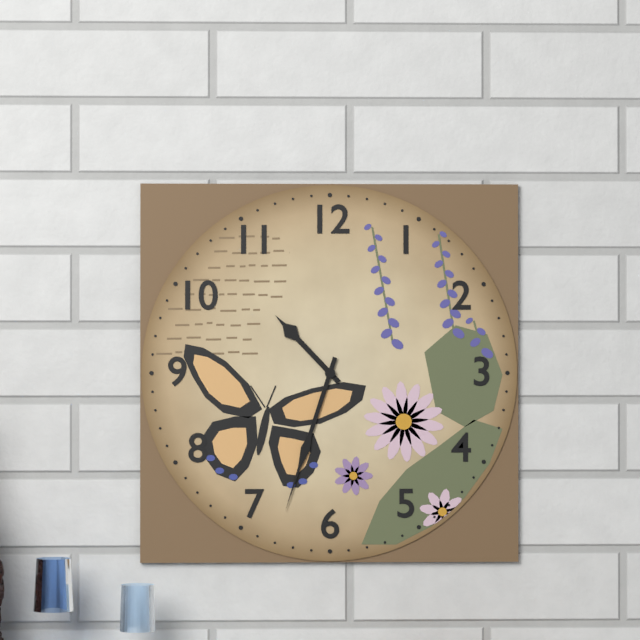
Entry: 10h33
